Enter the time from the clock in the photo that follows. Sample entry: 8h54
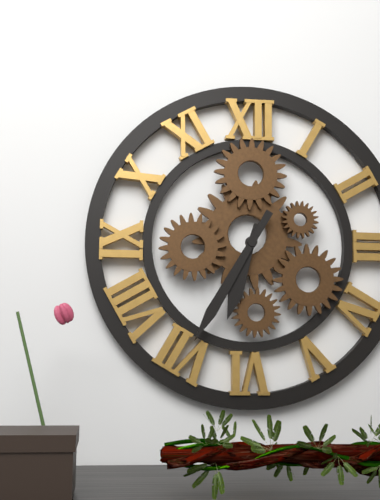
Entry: 6h35
